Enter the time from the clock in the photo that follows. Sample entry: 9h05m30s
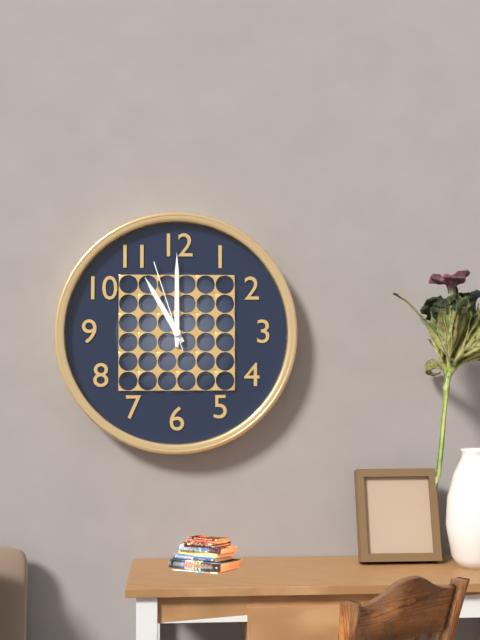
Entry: 11h00m57s
